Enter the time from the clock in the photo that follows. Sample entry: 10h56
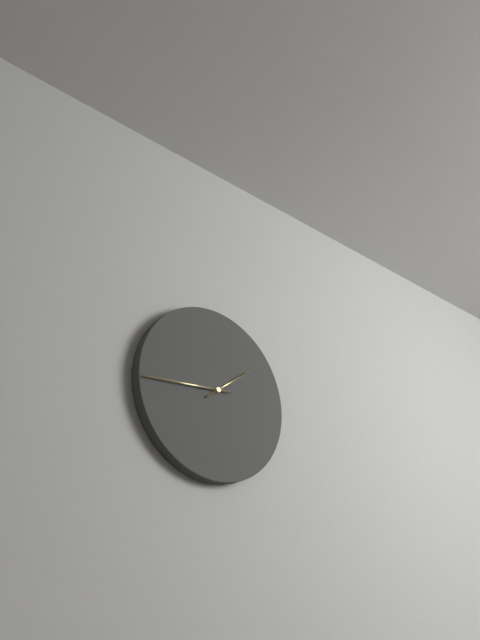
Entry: 1h44
